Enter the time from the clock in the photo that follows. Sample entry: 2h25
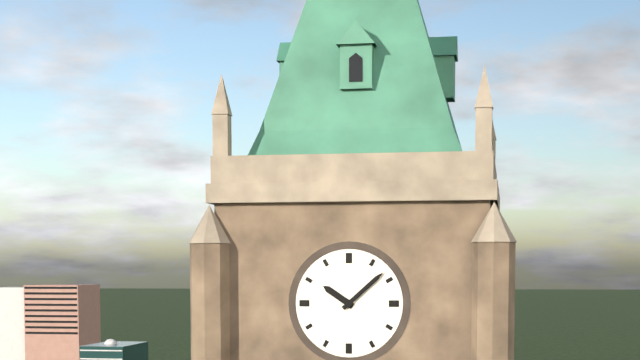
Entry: 10h08
